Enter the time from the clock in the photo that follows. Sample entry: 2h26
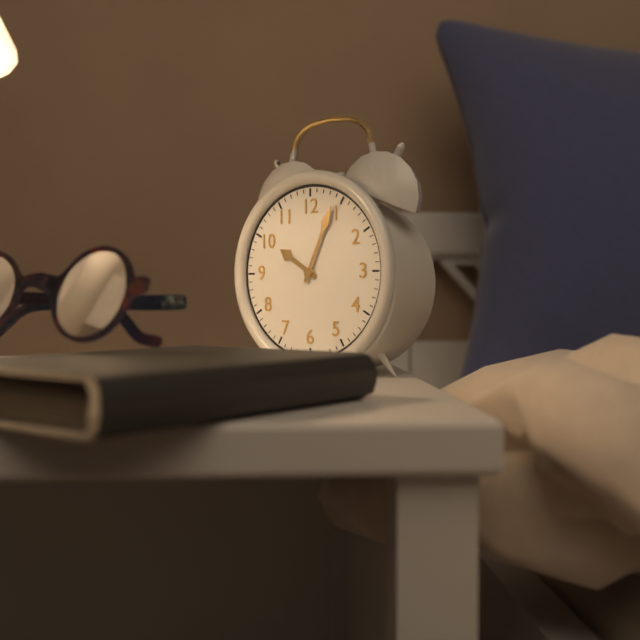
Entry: 10h04
